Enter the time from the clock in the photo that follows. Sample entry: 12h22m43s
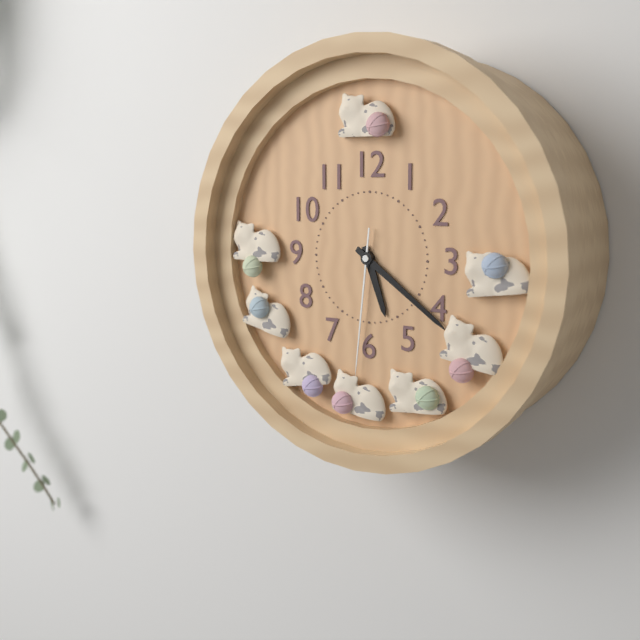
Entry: 5h21m31s
